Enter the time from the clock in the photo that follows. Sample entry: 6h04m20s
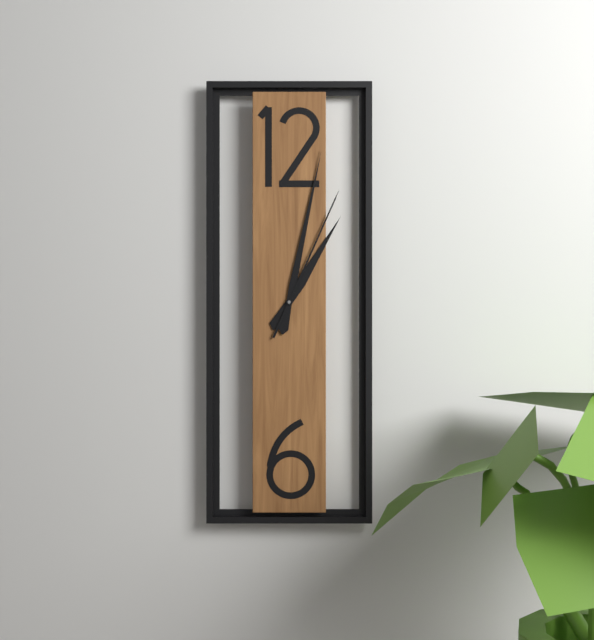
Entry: 1h02m04s
